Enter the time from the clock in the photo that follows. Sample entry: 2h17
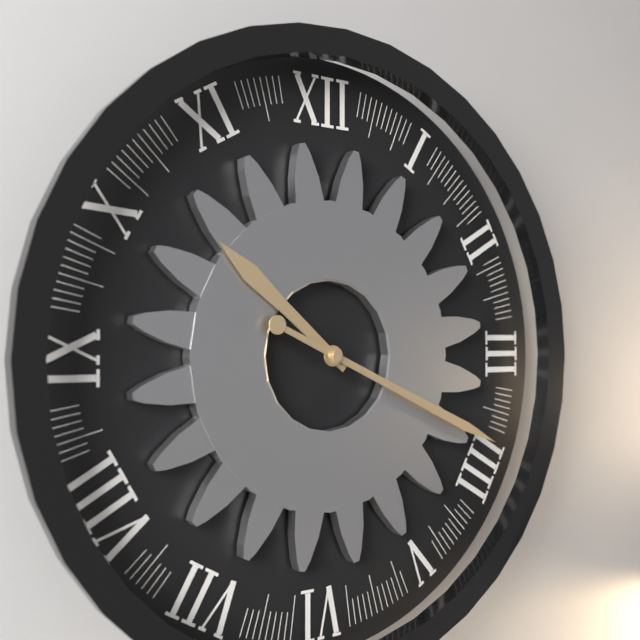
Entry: 10h19
